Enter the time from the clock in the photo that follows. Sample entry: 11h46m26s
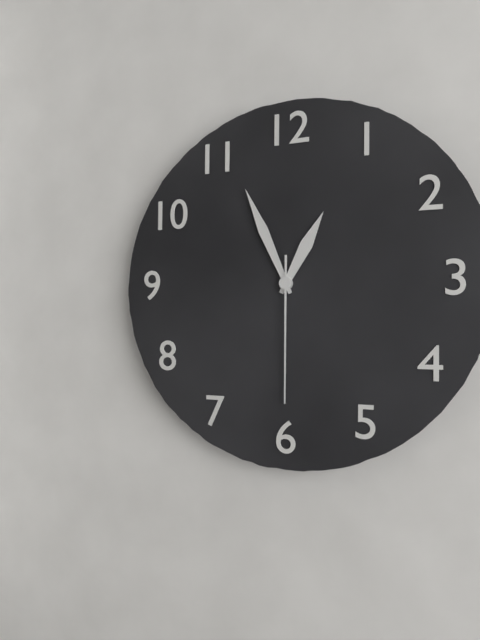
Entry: 12h56m30s
